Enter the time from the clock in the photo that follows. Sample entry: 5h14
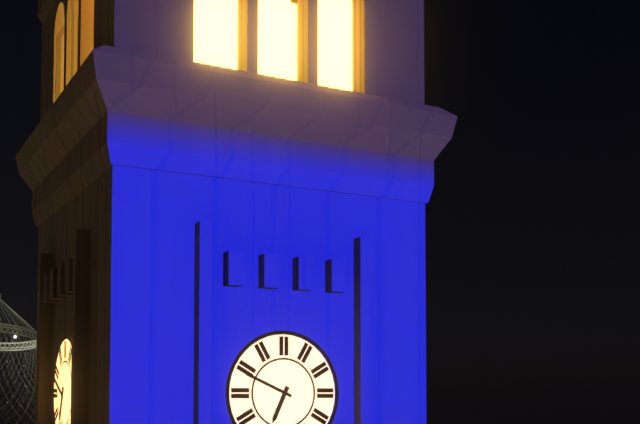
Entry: 6h49
